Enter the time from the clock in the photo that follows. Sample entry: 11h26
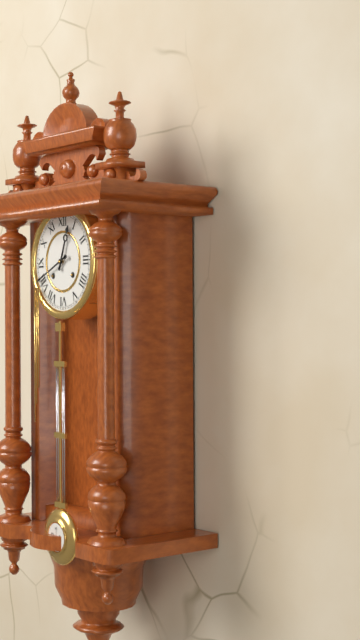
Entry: 12h41
